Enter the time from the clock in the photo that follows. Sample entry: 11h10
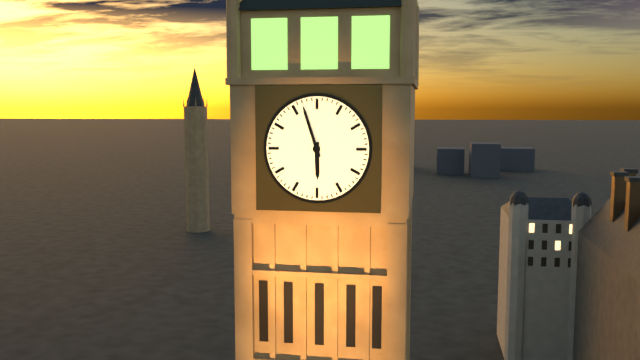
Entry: 5h57
